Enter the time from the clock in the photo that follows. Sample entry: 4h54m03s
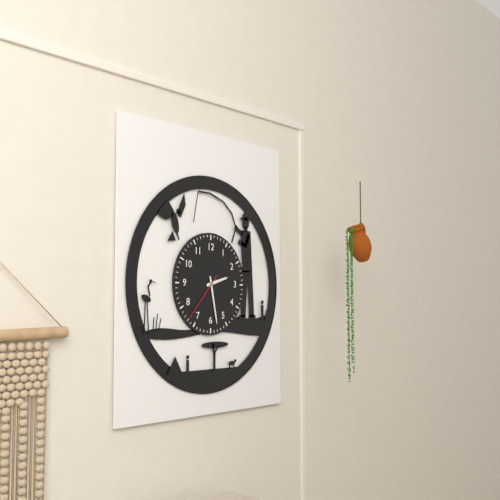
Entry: 2h28m37s
